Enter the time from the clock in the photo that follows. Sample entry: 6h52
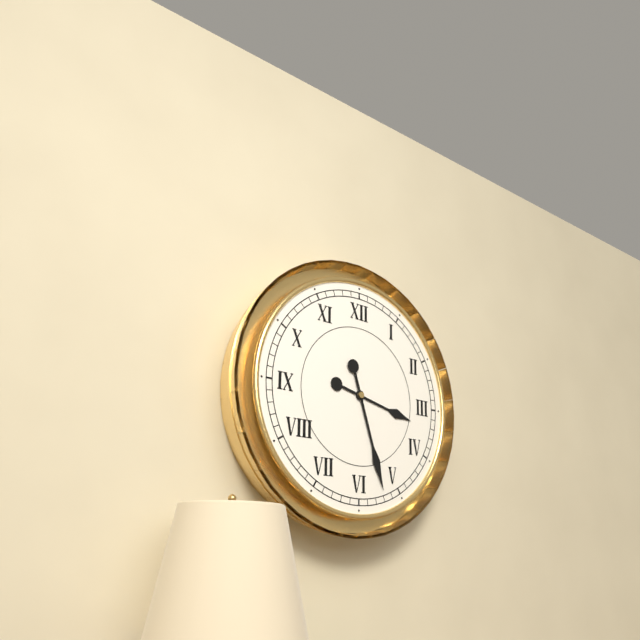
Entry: 3h27
